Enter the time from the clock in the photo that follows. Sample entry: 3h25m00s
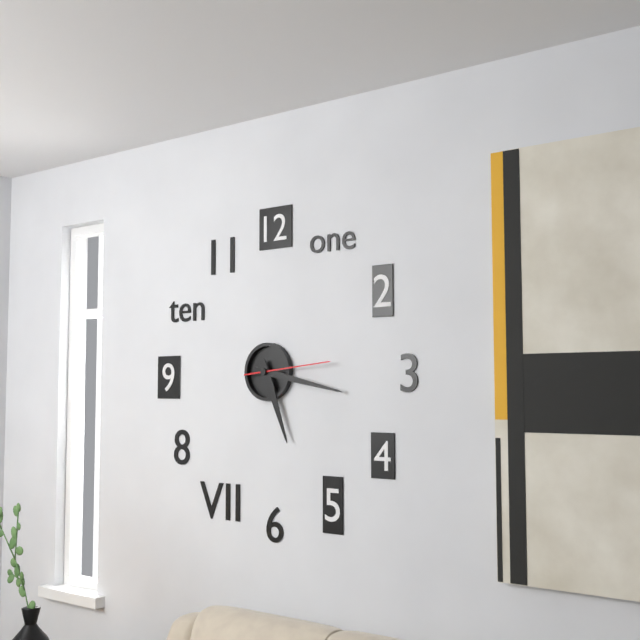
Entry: 5h17m14s
